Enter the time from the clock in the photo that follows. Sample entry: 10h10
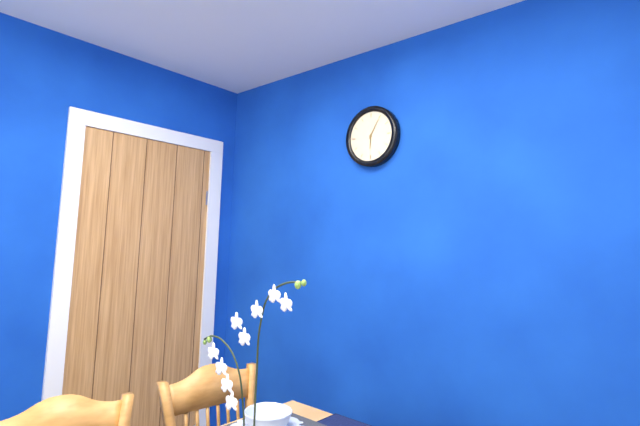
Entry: 6h05
